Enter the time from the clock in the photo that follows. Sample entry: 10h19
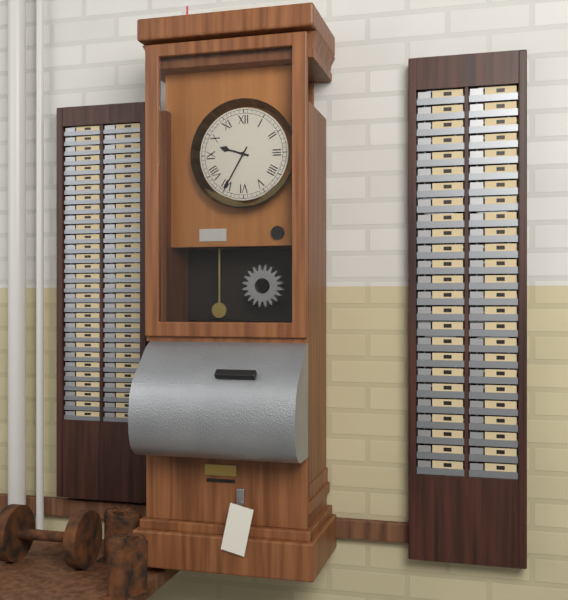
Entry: 9h35
